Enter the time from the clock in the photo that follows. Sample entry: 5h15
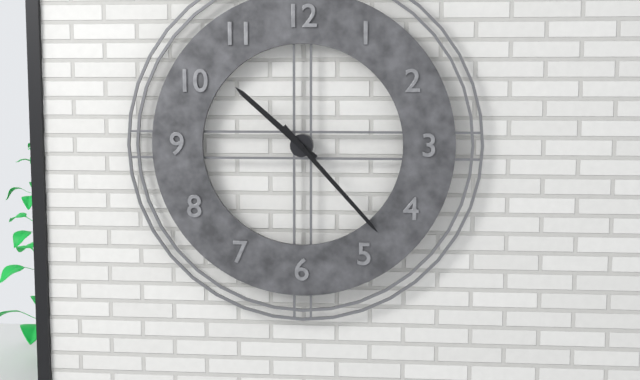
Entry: 10h23
